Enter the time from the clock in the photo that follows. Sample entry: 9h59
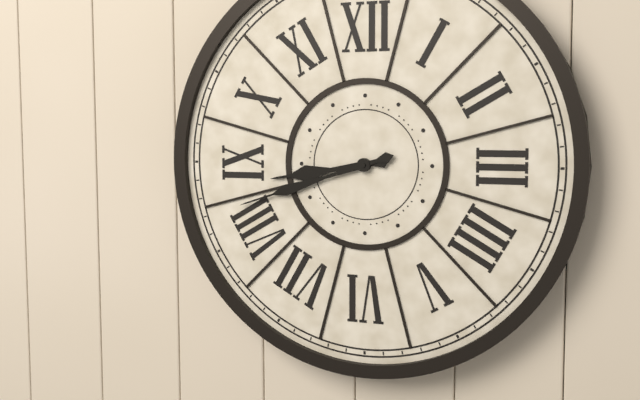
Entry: 8h42
